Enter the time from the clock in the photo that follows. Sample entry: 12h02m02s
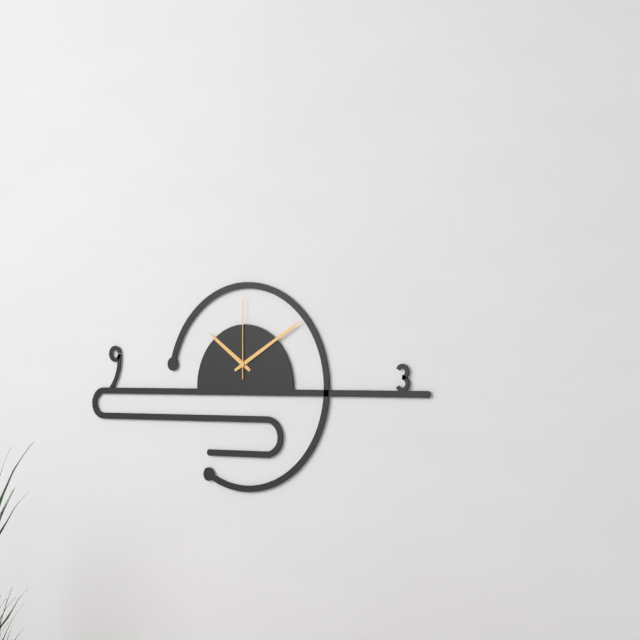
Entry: 10h10m00s
